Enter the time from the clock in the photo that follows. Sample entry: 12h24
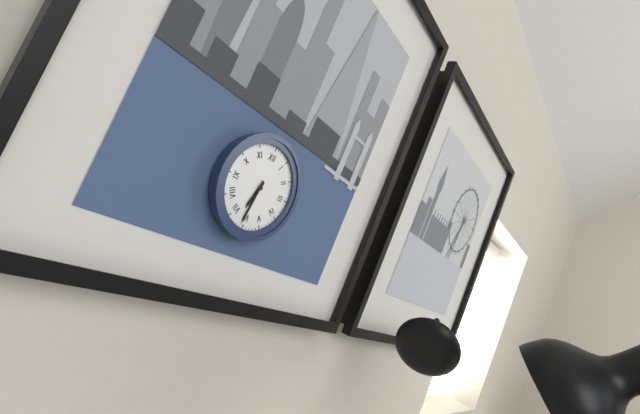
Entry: 6h31
